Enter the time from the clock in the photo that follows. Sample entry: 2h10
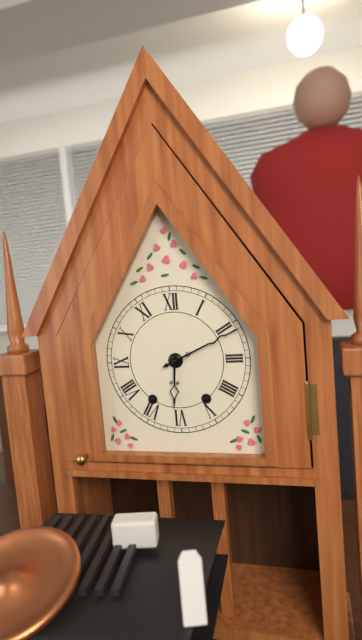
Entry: 6h11
